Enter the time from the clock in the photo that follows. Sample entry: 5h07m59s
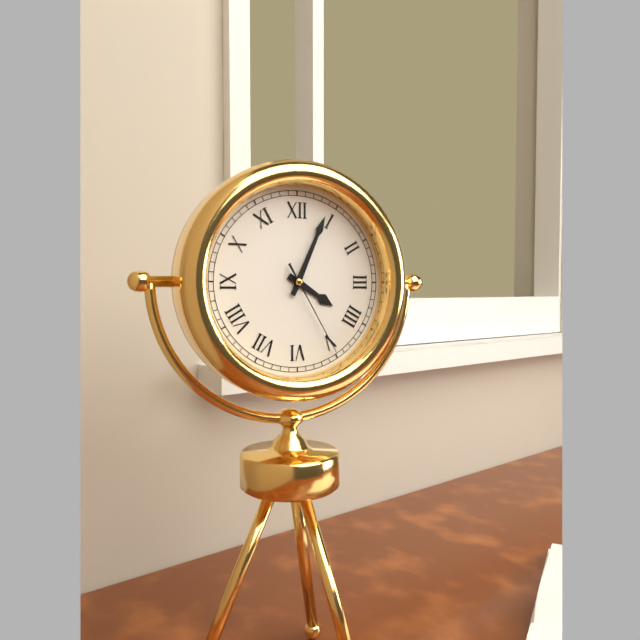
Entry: 4h04m25s
